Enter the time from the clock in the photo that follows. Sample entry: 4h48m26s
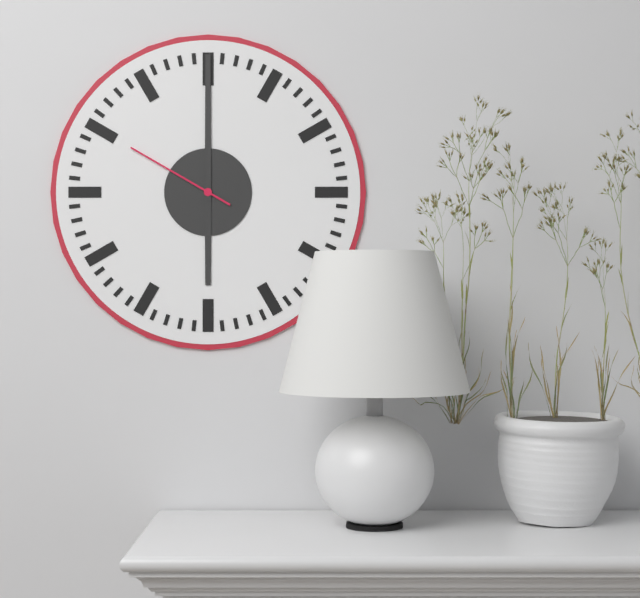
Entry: 6h00m50s
